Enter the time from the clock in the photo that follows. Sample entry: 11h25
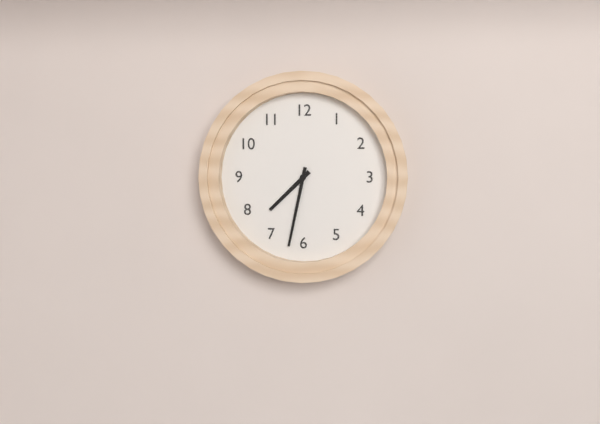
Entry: 7h32
